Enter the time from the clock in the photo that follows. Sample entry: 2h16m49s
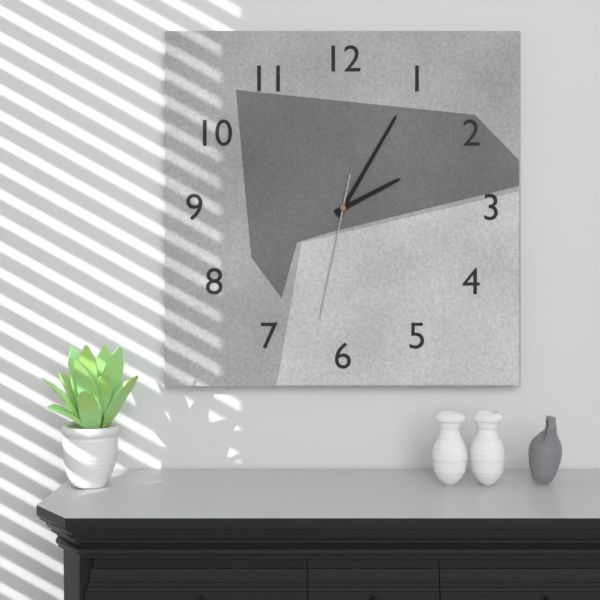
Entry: 2h05m32s
